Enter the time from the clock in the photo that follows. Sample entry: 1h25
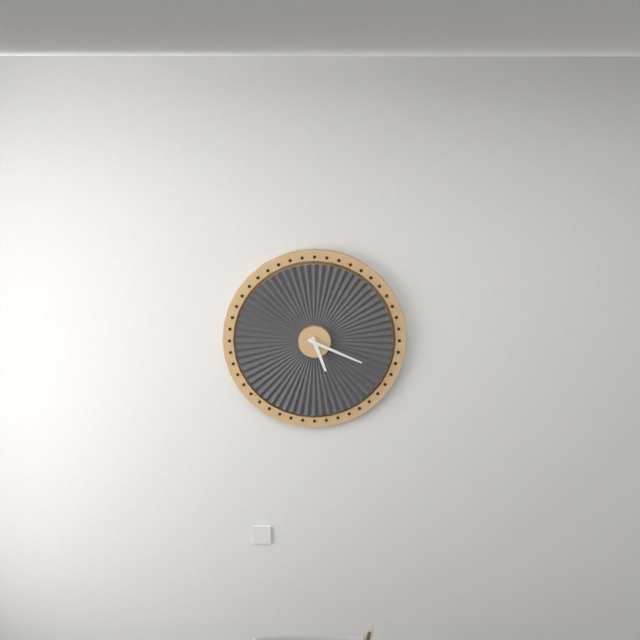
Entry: 5h19
